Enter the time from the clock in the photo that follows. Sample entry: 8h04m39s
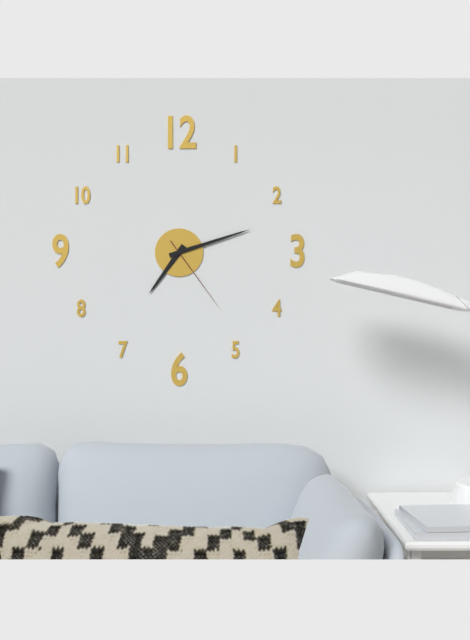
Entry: 7h12m24s
